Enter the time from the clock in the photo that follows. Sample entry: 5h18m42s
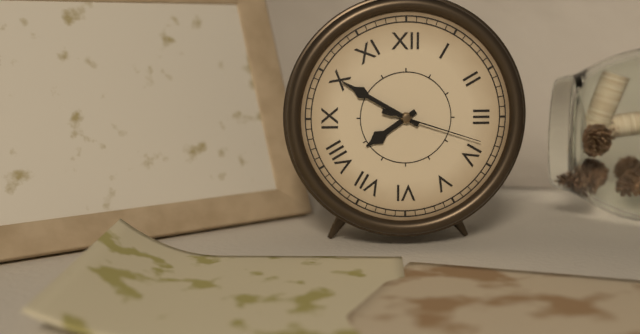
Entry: 7h50m18s
